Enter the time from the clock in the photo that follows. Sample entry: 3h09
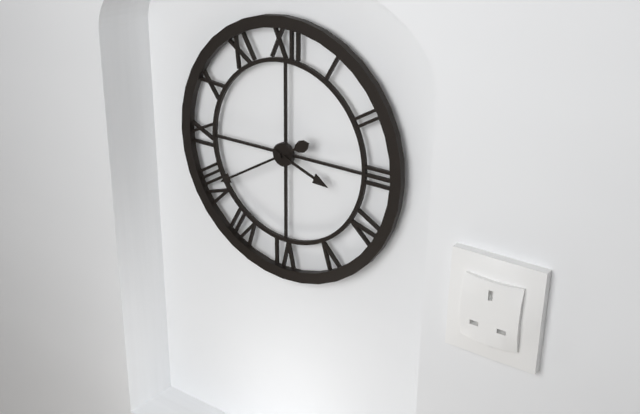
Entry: 3h40
